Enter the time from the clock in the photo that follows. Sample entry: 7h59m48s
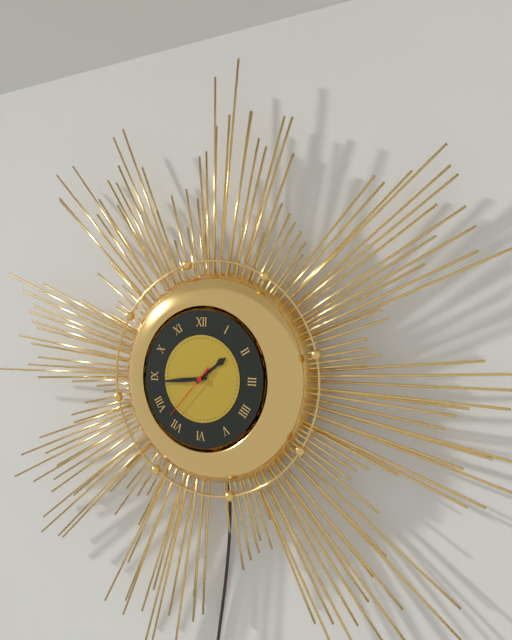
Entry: 1h44m37s
